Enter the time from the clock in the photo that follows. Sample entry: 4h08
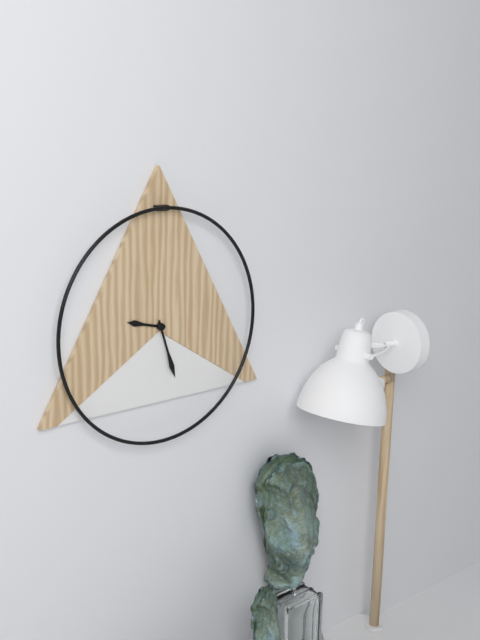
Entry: 9h27
